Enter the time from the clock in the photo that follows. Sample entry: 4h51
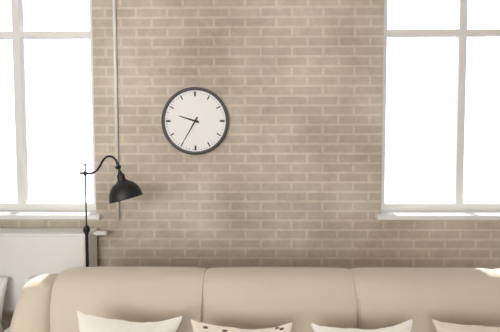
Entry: 9h35
